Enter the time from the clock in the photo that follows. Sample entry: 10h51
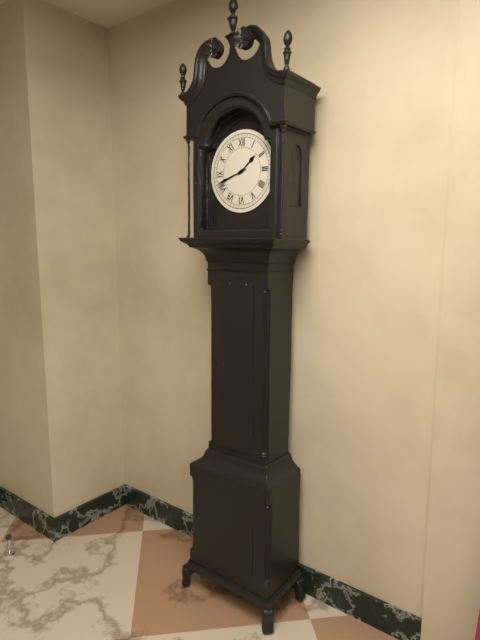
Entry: 1h42
